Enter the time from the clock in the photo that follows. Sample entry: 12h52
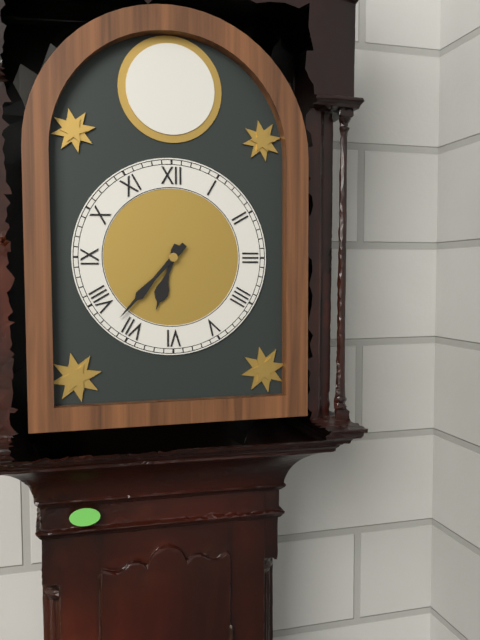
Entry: 6h37
